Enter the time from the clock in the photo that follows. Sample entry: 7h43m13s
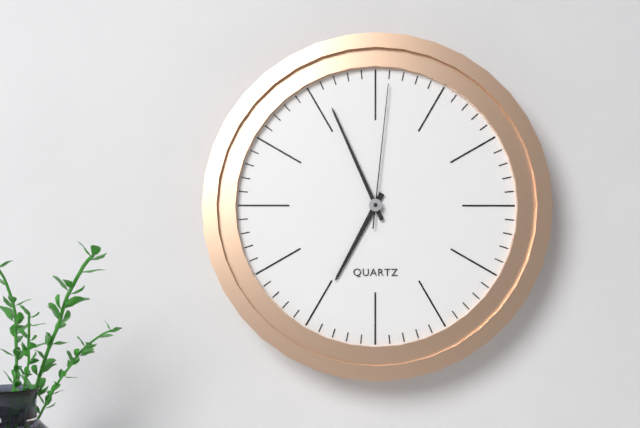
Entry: 6h56m01s
